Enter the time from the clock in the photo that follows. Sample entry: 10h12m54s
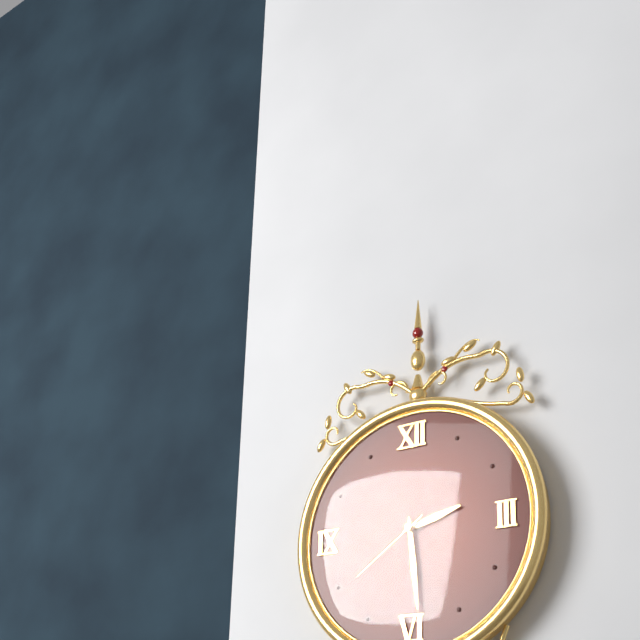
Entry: 2h29m39s
